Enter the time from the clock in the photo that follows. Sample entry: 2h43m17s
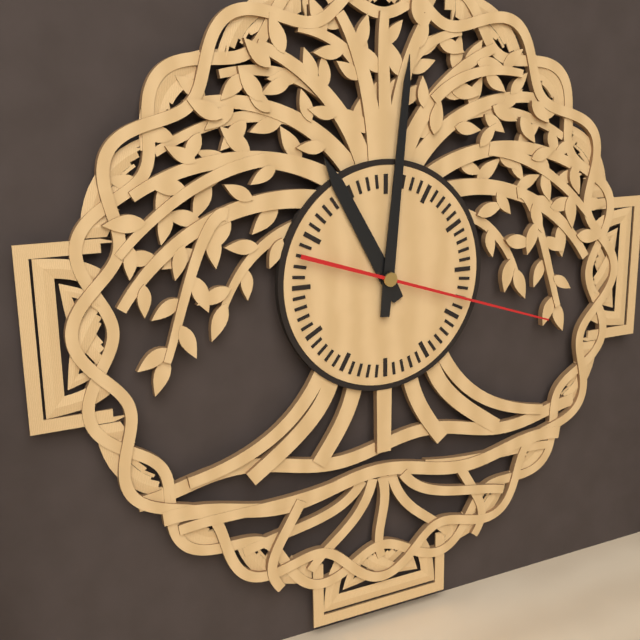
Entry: 11h01m18s
